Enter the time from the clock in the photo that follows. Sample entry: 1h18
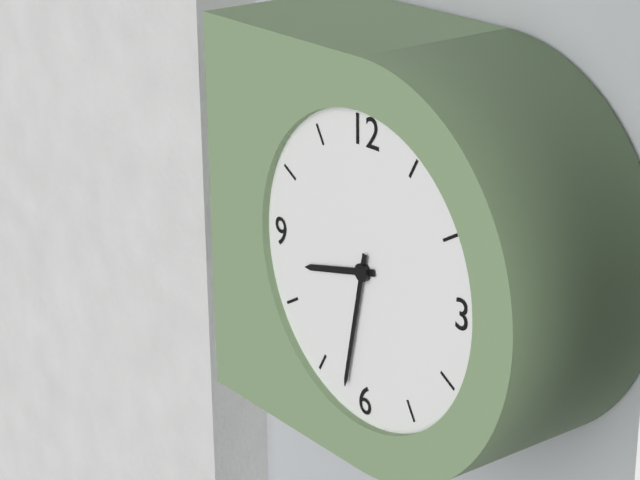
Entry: 8h32
